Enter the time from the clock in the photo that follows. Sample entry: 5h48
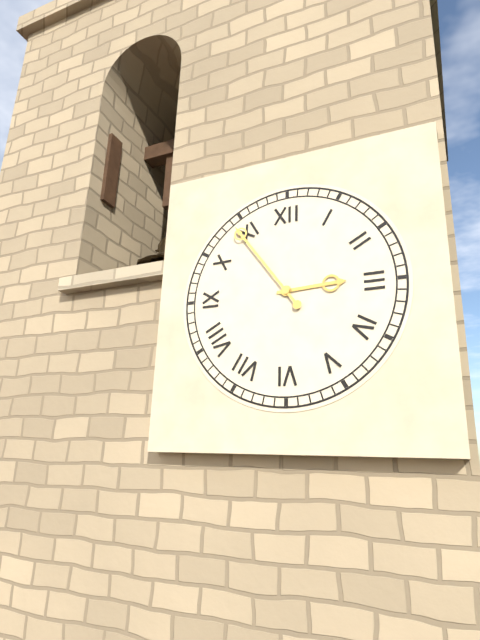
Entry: 2h54
